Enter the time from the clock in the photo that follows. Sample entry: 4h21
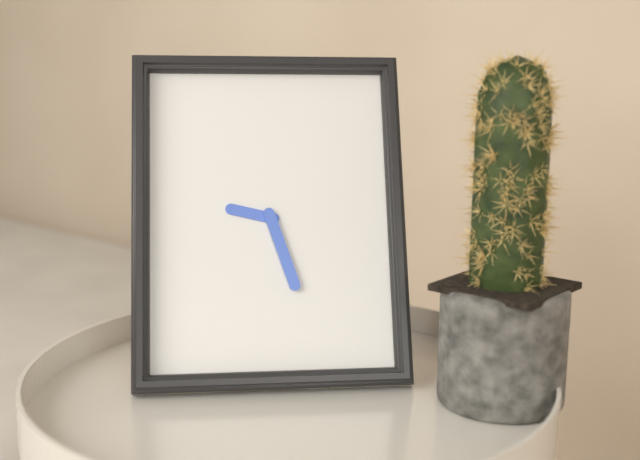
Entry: 9h27
